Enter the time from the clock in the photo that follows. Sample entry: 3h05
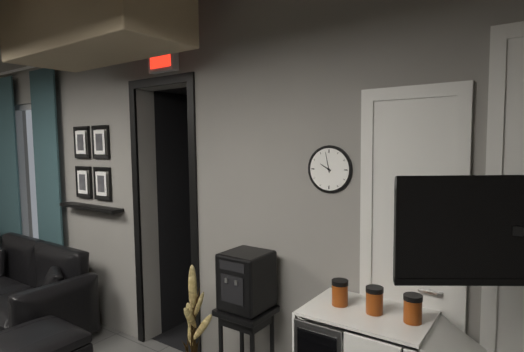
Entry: 9h58
